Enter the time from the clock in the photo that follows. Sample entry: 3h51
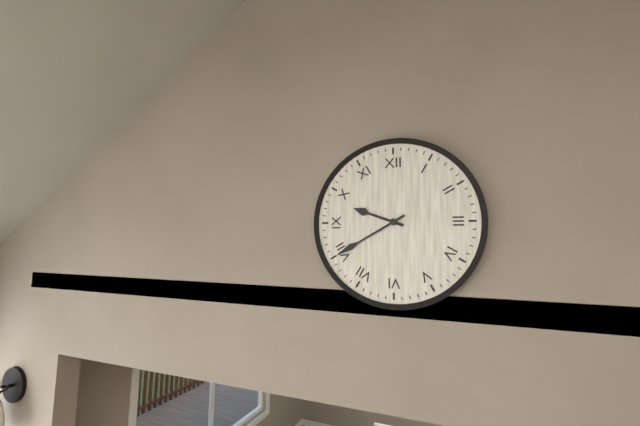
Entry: 9h40
